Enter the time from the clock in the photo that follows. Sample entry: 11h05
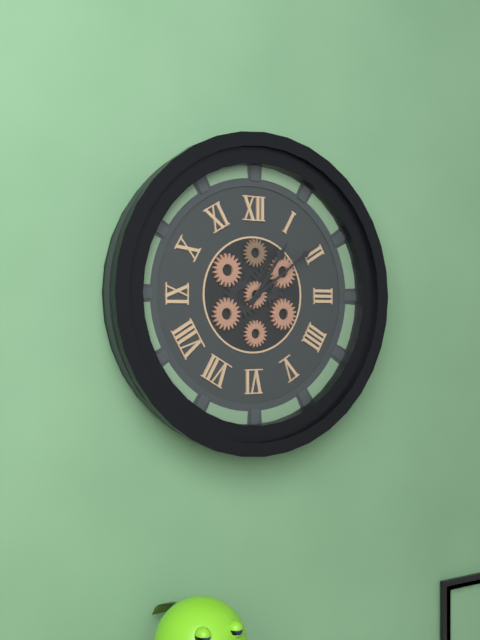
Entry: 1h09
